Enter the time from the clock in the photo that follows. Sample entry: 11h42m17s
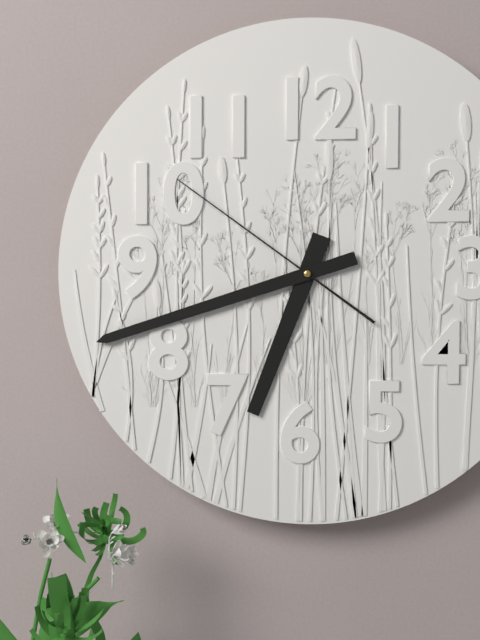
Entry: 6h42m51s
